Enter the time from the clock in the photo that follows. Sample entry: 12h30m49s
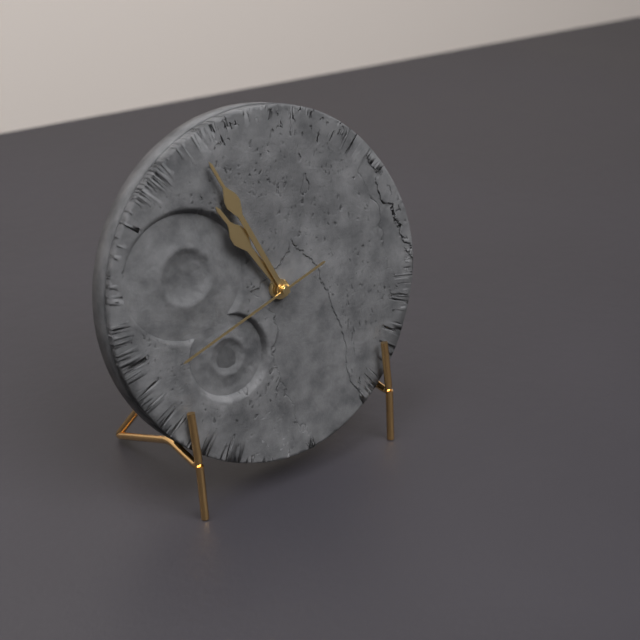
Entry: 10h56m42s
